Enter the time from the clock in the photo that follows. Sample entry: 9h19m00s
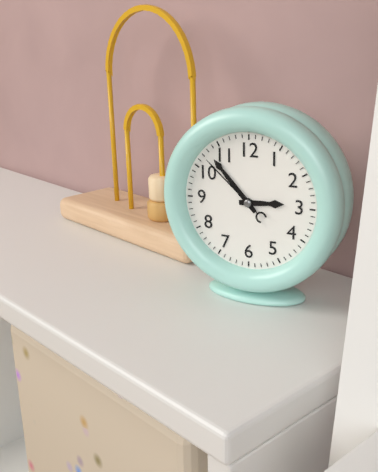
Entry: 2h53m52s
